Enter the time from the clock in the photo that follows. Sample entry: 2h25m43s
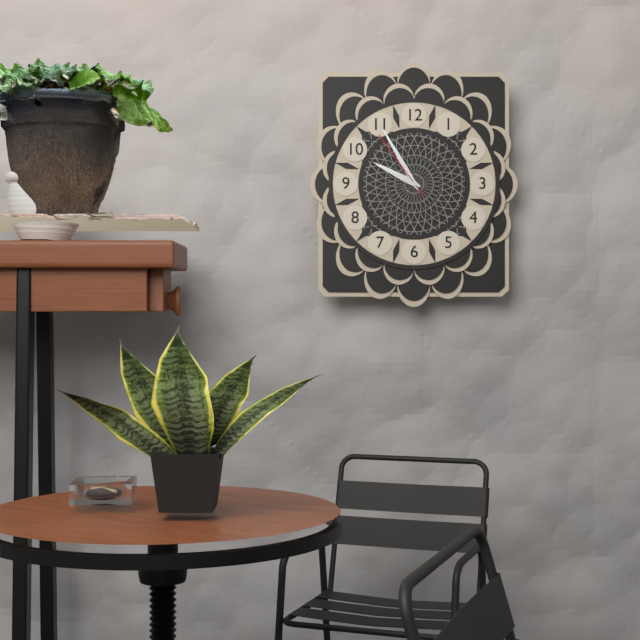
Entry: 9h55m54s
